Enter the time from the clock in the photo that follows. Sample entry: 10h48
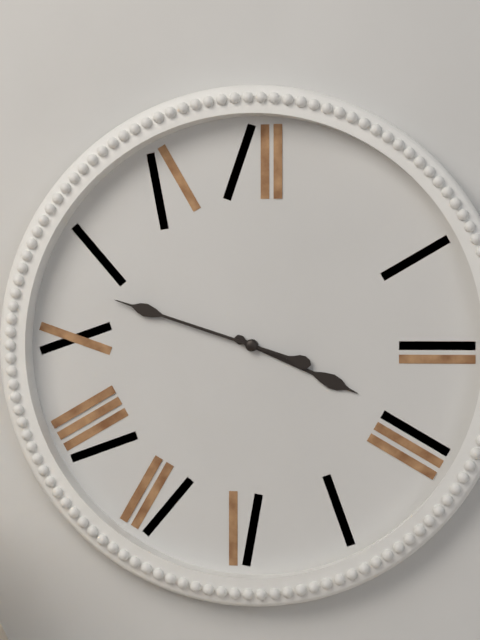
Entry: 3h48
